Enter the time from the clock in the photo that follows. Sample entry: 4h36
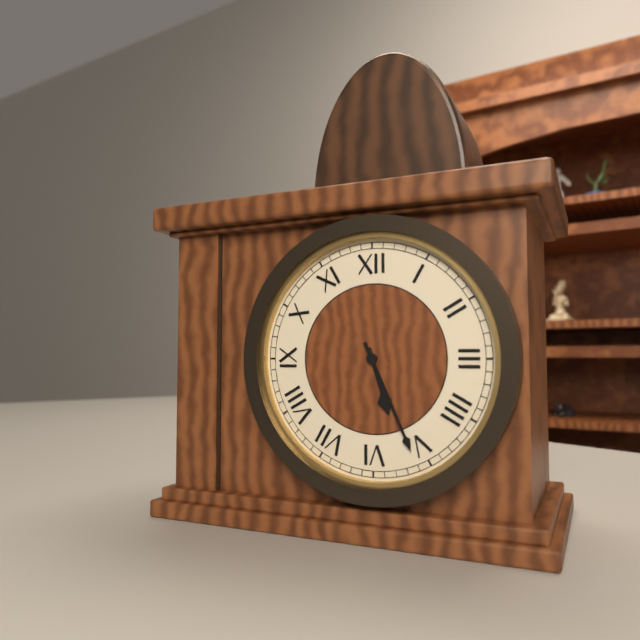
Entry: 5h26
